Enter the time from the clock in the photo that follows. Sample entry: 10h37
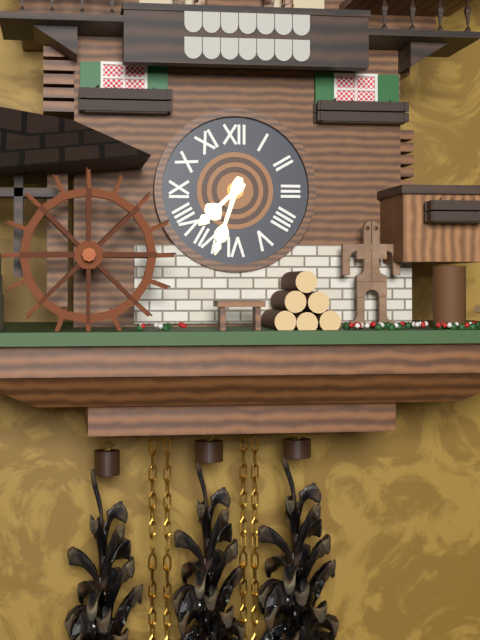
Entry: 7h33
